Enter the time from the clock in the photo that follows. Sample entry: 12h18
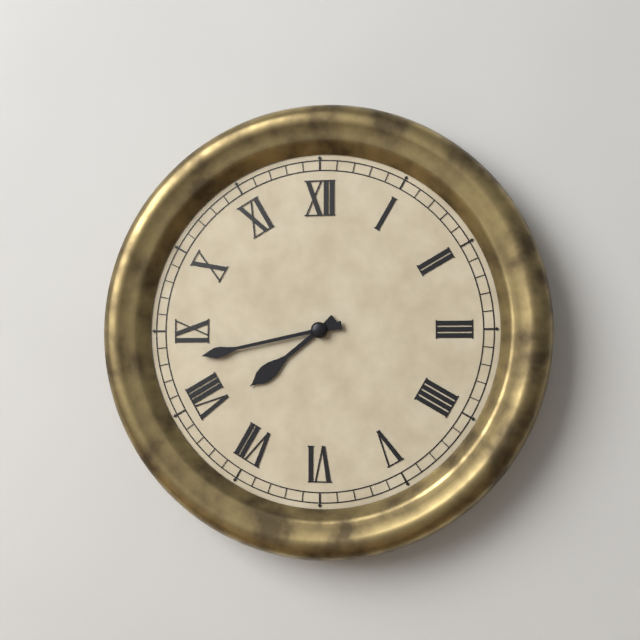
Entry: 7h43
